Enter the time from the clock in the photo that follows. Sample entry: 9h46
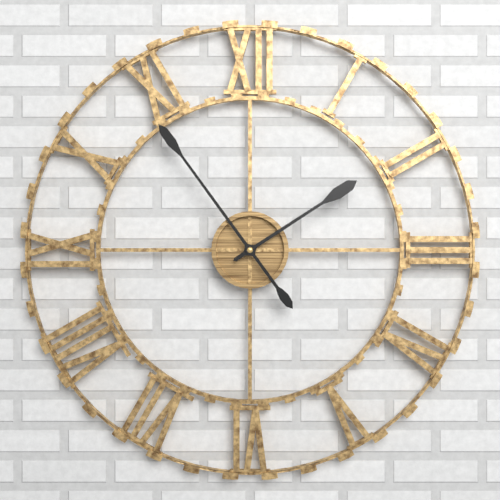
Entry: 1h54
